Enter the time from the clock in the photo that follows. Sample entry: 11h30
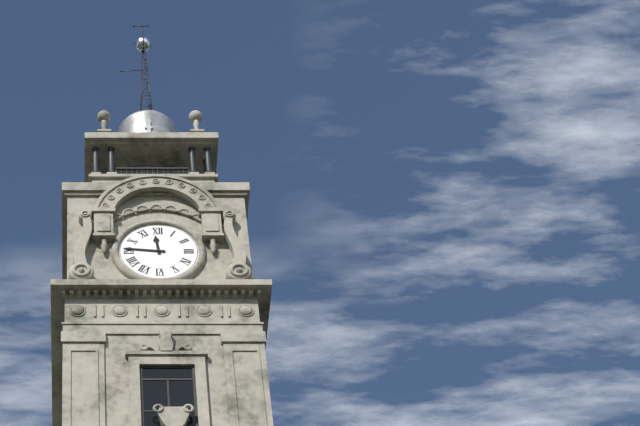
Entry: 11h46
